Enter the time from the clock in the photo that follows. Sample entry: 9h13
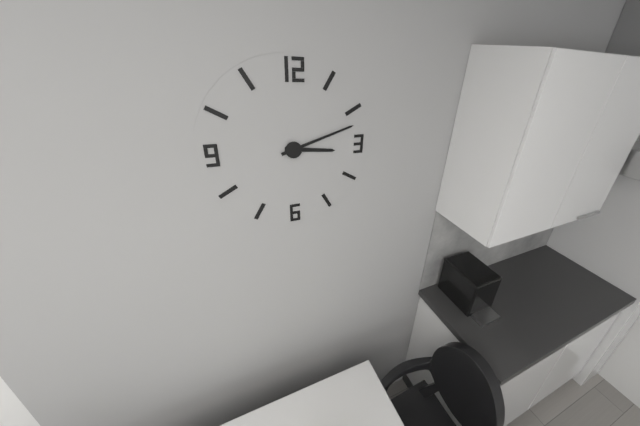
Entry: 3h12
